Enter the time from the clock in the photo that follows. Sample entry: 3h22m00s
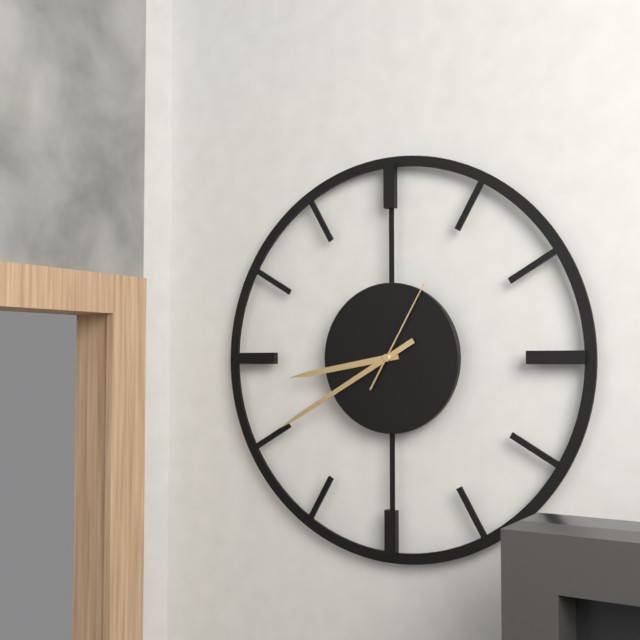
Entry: 8h40m05s
